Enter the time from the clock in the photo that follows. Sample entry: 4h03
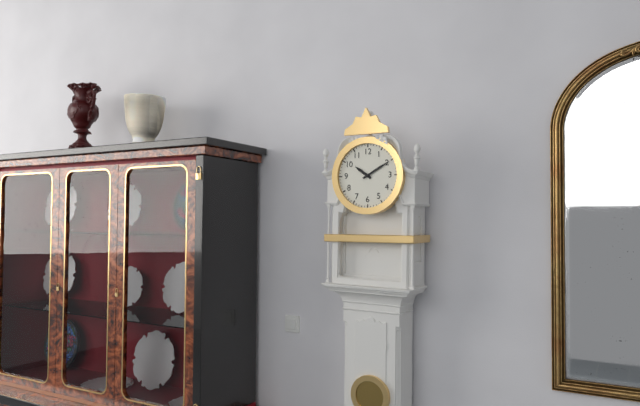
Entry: 10h10
